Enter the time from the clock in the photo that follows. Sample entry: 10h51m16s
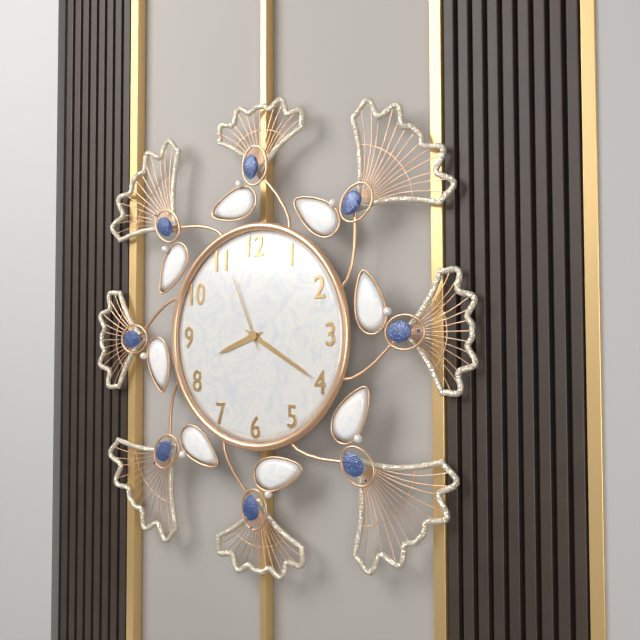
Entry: 8h20m56s
